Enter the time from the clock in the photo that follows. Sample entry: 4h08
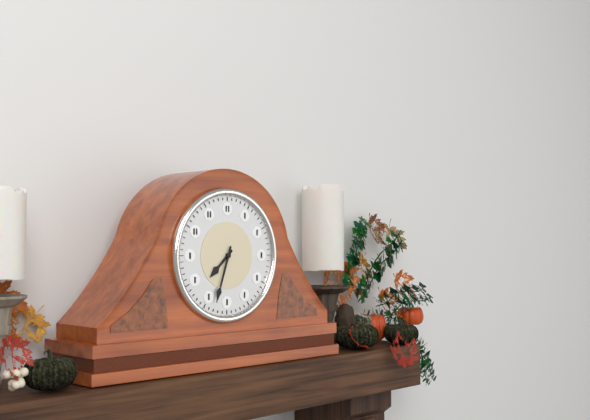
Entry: 7h33
